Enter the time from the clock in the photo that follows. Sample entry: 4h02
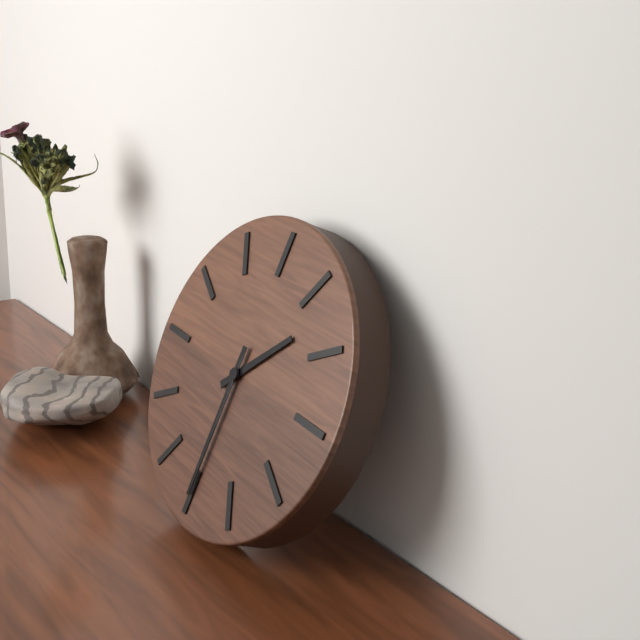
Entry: 1h30
